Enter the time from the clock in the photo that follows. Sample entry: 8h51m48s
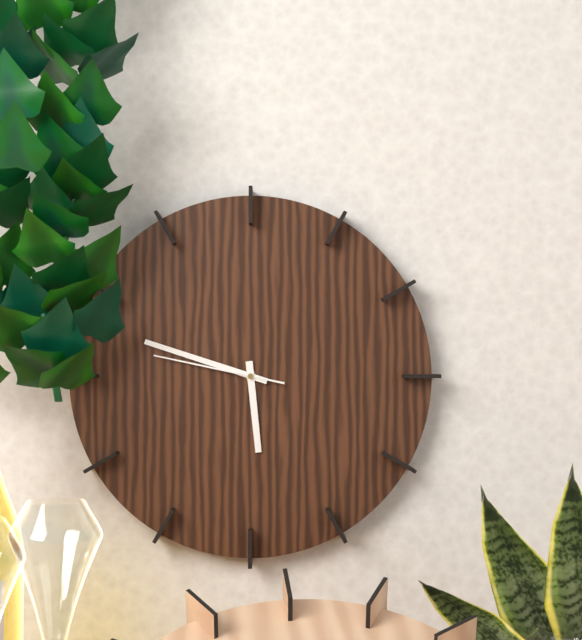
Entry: 5h48m47s
